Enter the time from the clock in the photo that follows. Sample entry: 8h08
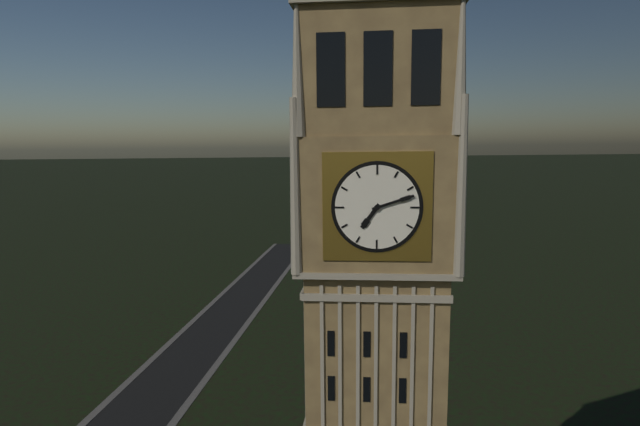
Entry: 7h12
